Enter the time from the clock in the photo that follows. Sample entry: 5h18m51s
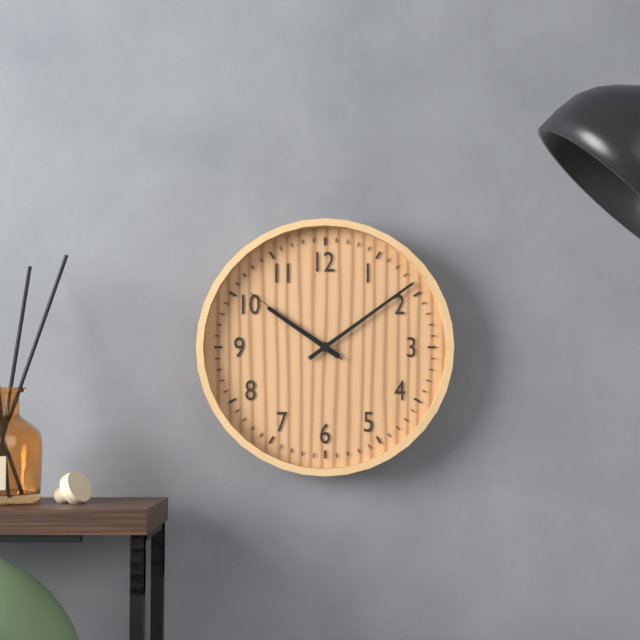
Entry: 10h09m51s
